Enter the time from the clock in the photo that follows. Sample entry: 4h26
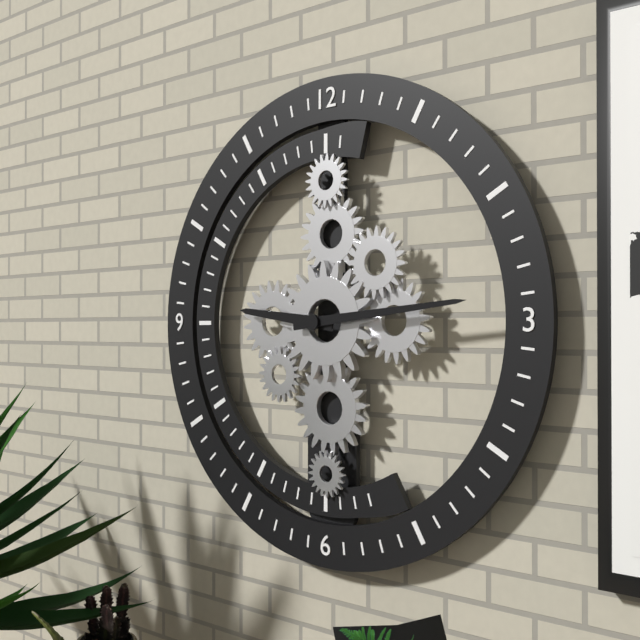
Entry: 9h14
